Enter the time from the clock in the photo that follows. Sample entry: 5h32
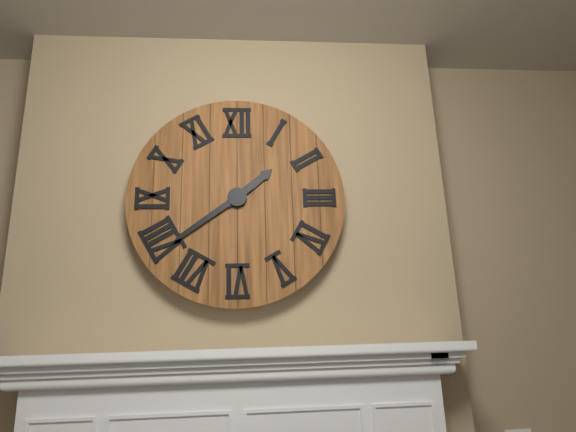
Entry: 1h39
